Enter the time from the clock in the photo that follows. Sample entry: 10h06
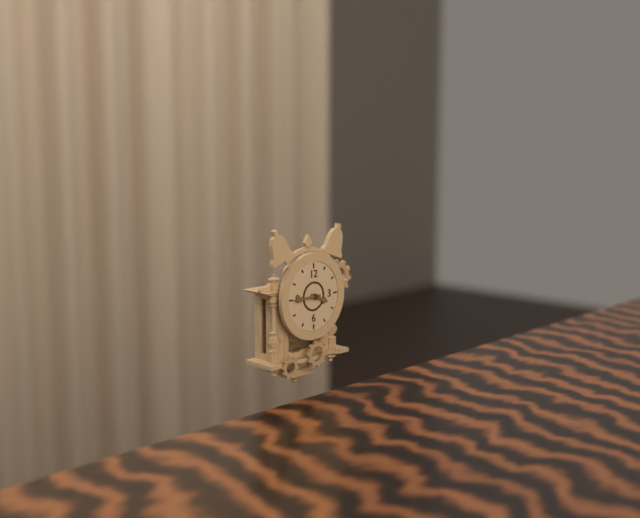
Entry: 3h45
